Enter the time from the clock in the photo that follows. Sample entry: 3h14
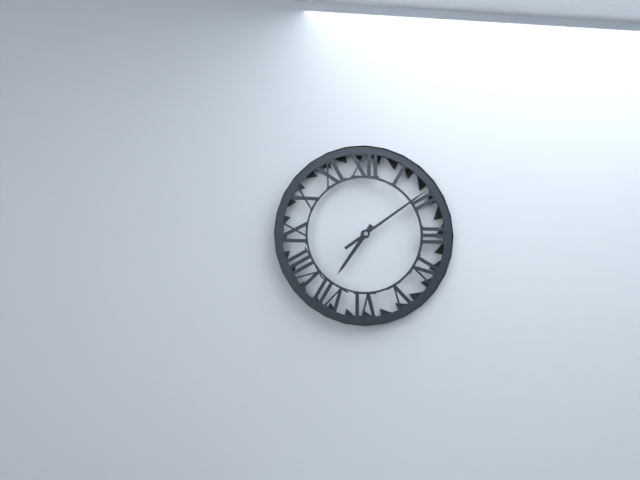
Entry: 7h09
